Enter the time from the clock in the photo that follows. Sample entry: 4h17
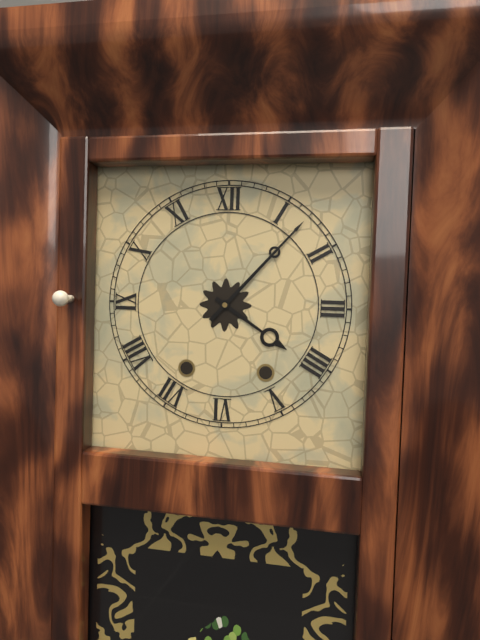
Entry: 4h07
